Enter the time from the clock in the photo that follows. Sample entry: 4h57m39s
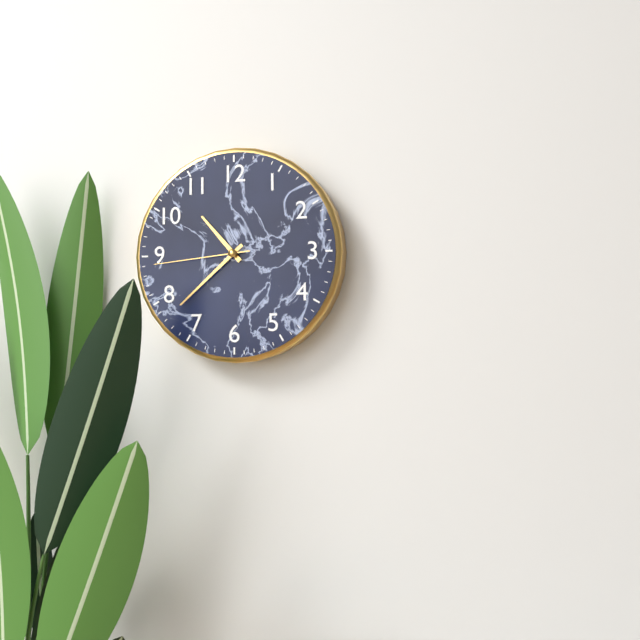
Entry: 10h38m44s
